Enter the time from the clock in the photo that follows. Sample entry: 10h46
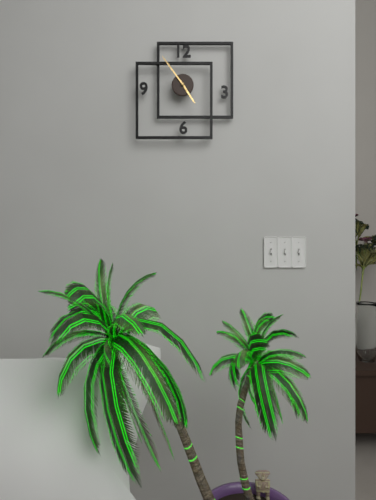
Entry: 4h54
